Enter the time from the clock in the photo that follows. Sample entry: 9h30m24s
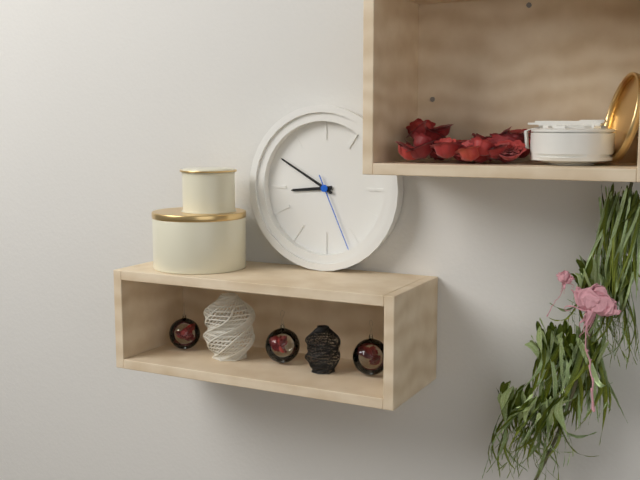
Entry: 8h50m26s
